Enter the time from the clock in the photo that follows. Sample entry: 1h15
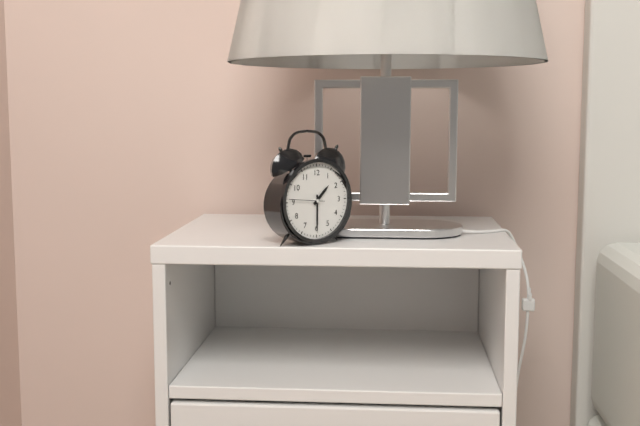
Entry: 1h30
